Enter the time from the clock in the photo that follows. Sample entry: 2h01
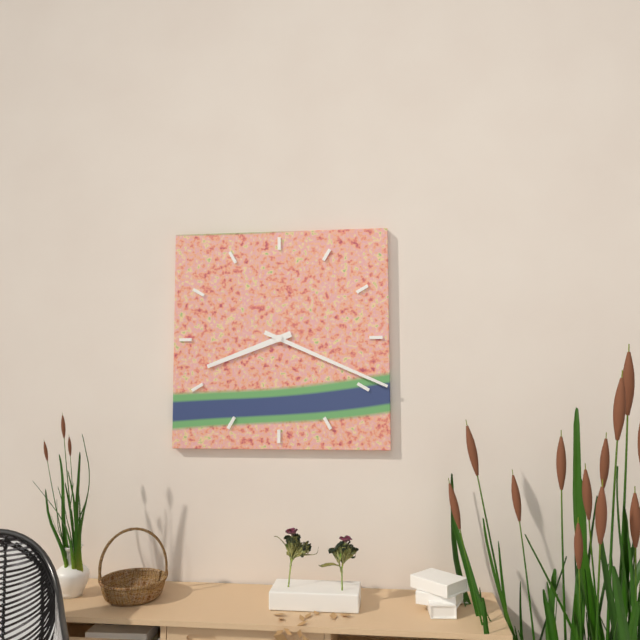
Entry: 8h19
